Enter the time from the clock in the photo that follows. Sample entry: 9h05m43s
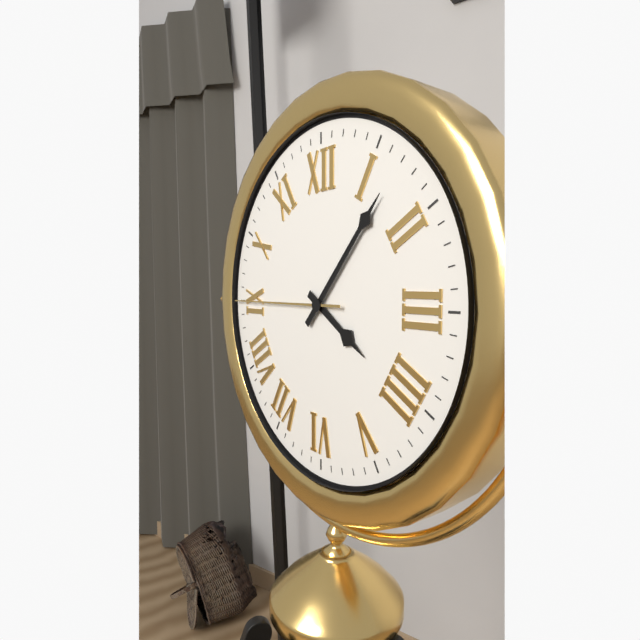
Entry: 4h07m45s
